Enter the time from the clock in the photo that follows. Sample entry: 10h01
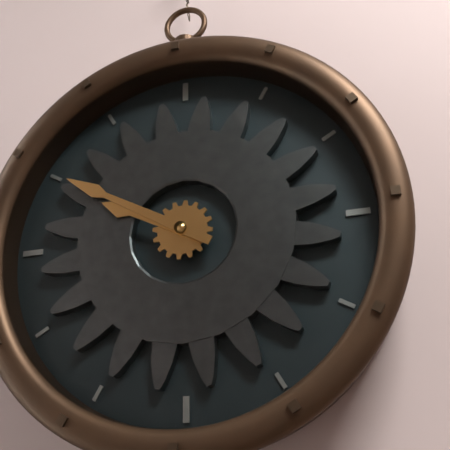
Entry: 9h50
